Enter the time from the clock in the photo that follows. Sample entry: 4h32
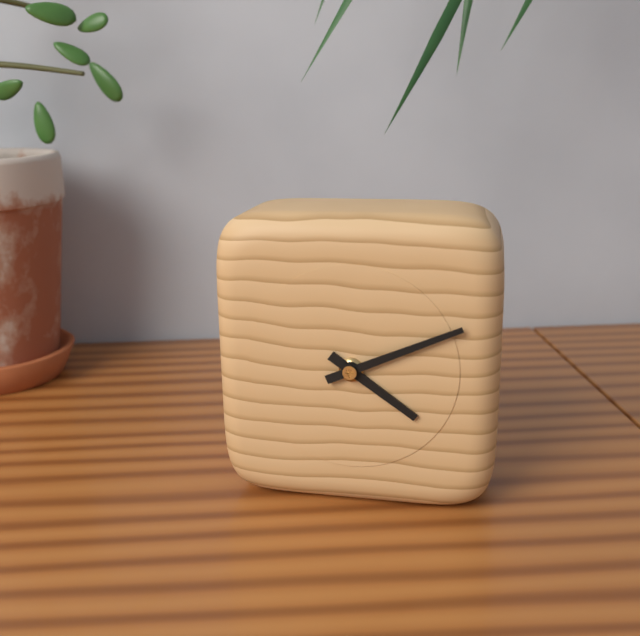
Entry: 4h11
